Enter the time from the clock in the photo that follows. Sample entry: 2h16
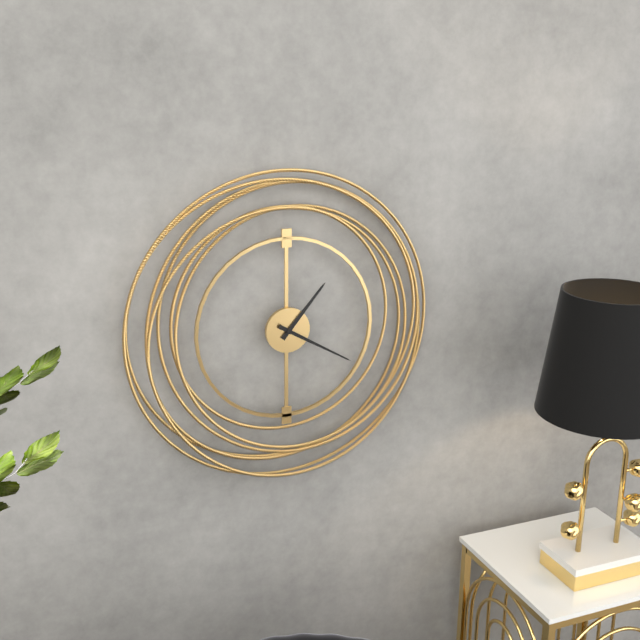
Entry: 1h20
